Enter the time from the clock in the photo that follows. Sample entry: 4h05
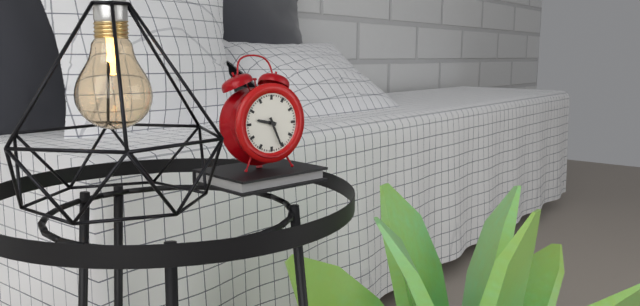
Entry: 9h26
